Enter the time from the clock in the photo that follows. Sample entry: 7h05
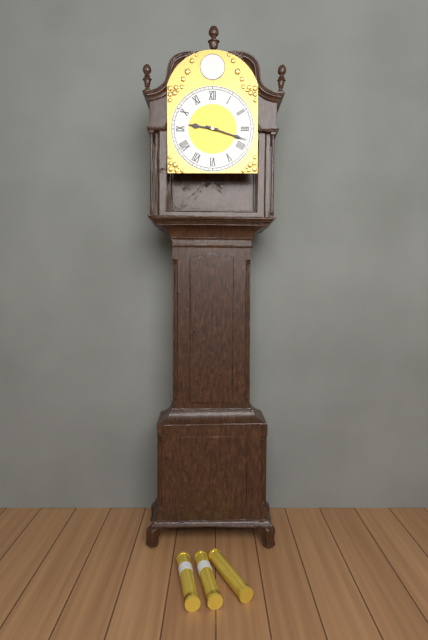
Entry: 9h18
